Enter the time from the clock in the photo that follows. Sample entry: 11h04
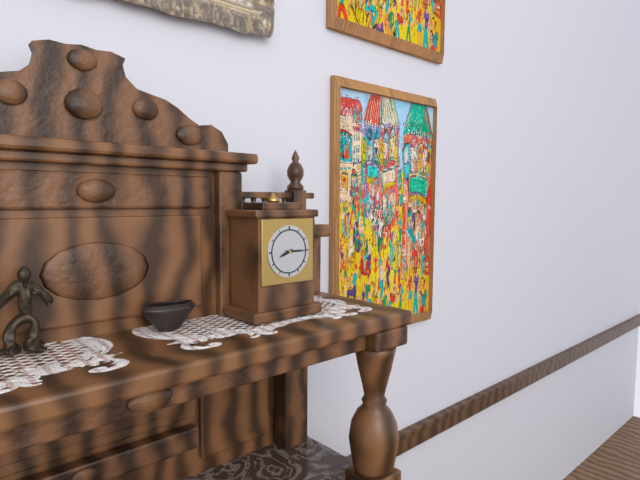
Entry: 8h15
